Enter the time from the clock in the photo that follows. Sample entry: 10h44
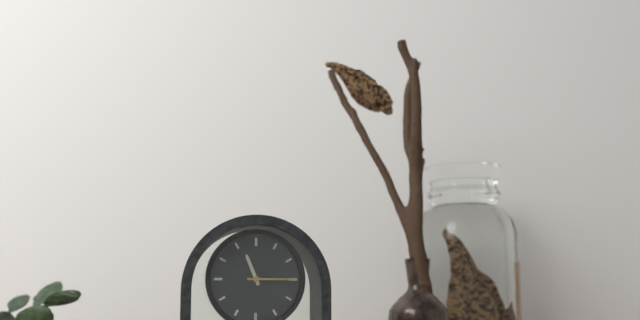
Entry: 11h15
